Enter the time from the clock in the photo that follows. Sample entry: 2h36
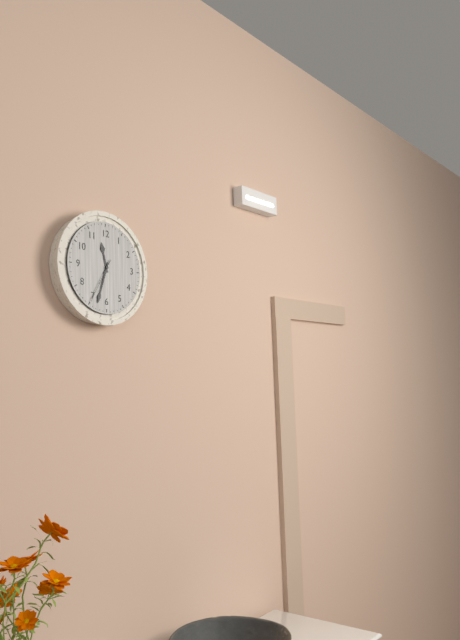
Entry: 11h33
